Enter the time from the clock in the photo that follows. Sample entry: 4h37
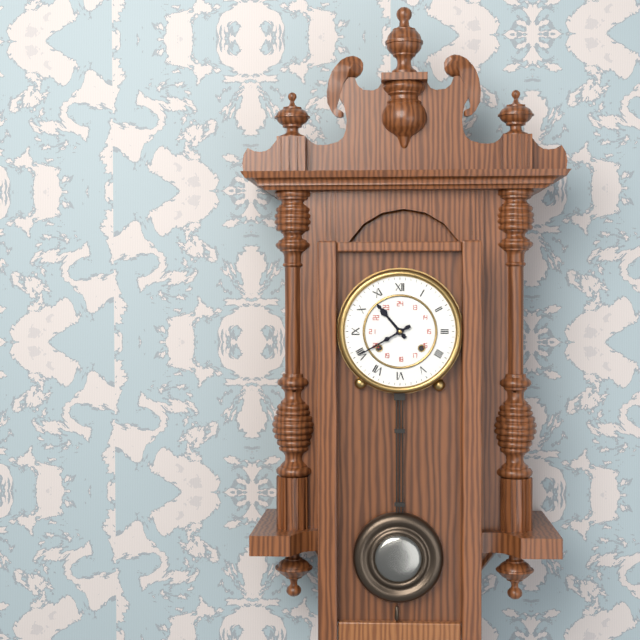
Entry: 10h40
